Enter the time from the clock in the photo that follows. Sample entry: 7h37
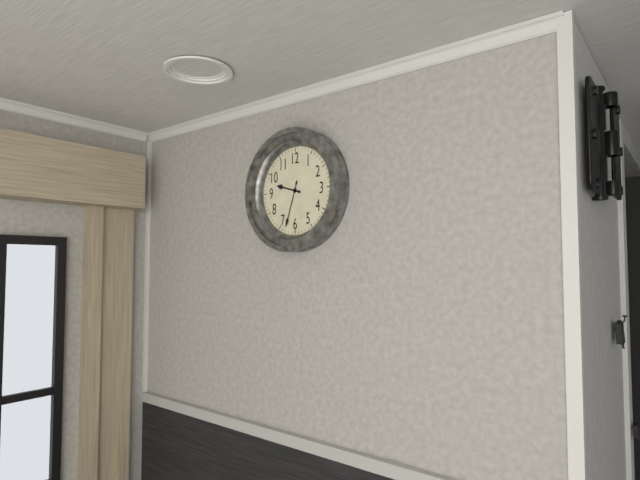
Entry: 9h33
